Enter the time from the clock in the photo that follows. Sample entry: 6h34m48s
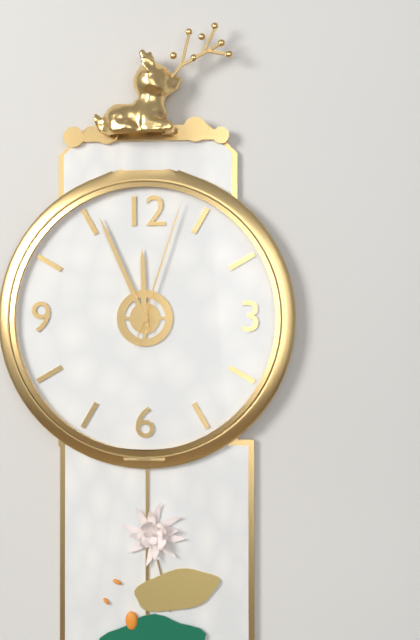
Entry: 11h56m03s
